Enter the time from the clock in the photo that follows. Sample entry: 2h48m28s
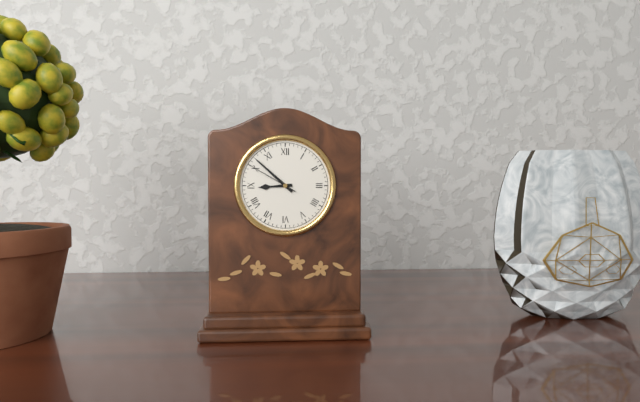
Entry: 8h52m50s
